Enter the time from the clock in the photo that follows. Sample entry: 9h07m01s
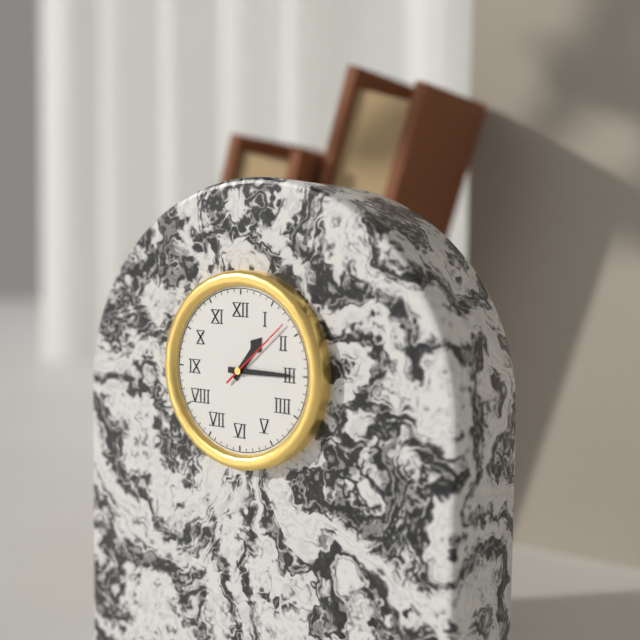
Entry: 1h15m08s
